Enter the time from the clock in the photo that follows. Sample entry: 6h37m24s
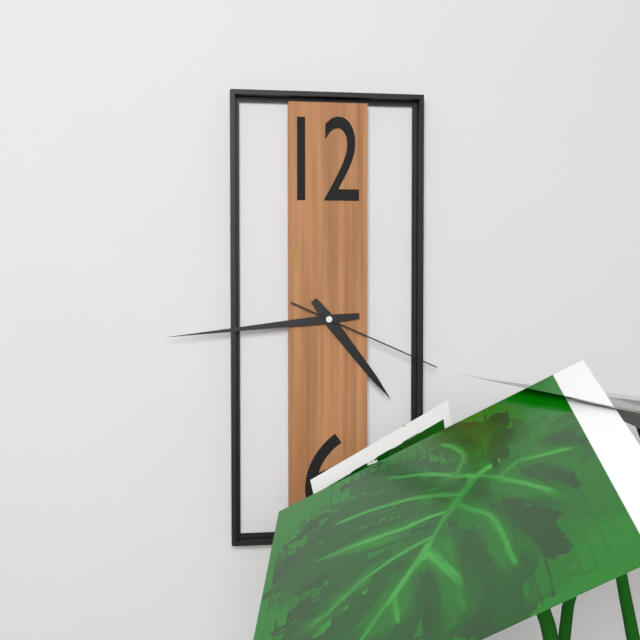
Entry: 4h44m19s
